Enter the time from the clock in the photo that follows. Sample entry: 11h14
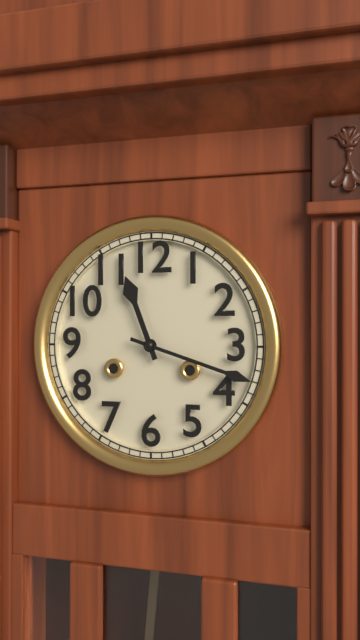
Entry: 11h18
